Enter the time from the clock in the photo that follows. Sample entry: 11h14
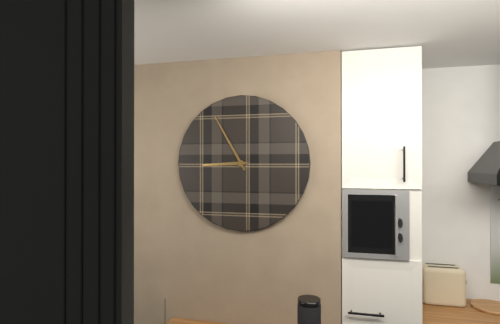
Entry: 8h55
